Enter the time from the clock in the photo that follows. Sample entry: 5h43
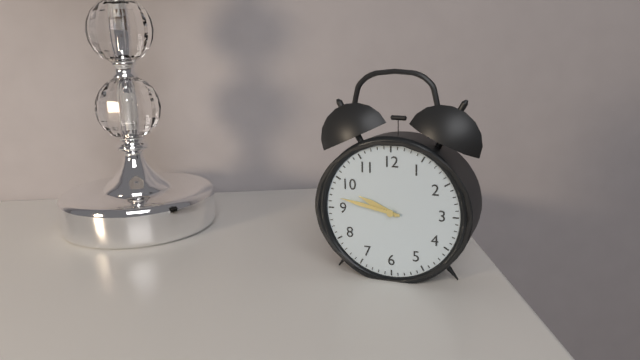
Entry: 9h47
